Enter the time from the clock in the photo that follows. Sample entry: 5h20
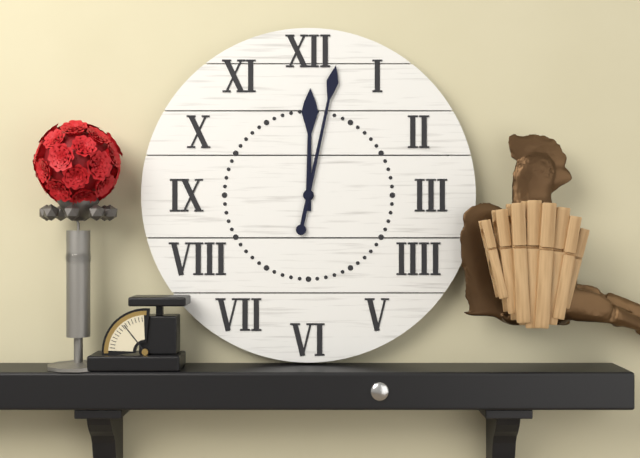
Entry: 12h02
